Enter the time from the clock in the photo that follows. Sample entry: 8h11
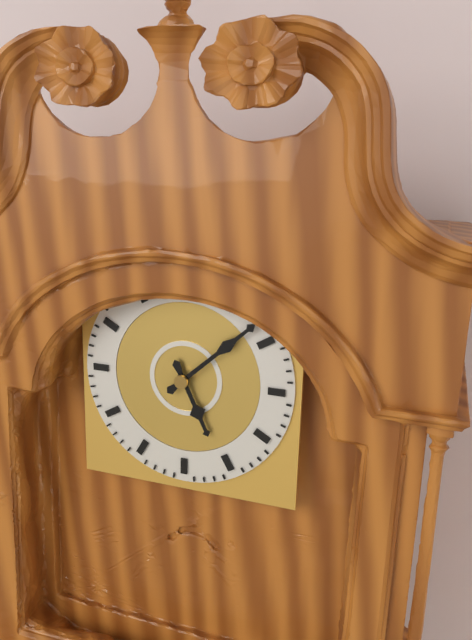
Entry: 5h08
